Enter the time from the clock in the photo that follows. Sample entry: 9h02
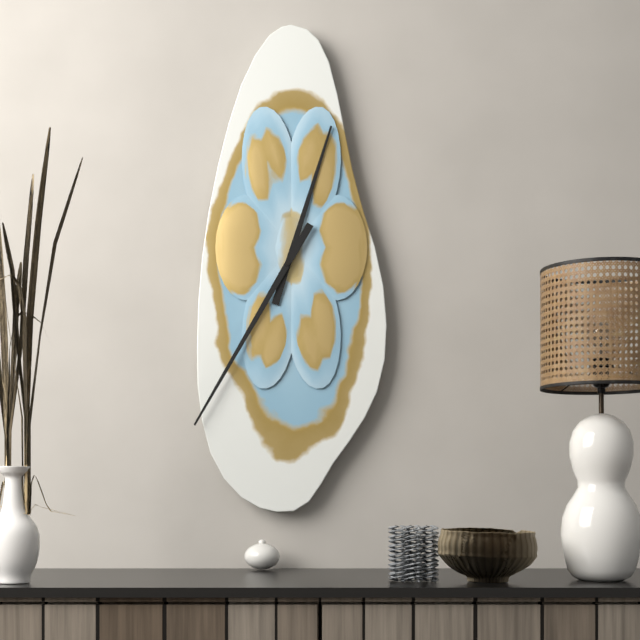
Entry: 12h35
